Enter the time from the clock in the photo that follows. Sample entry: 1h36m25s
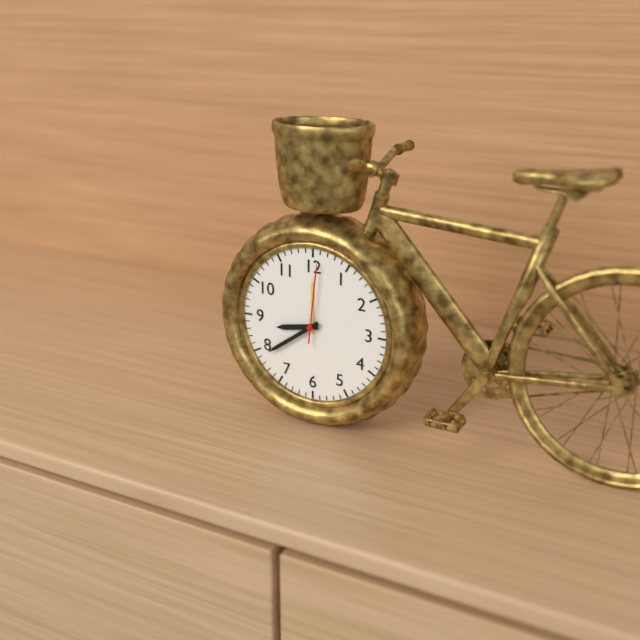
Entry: 8h39m01s
